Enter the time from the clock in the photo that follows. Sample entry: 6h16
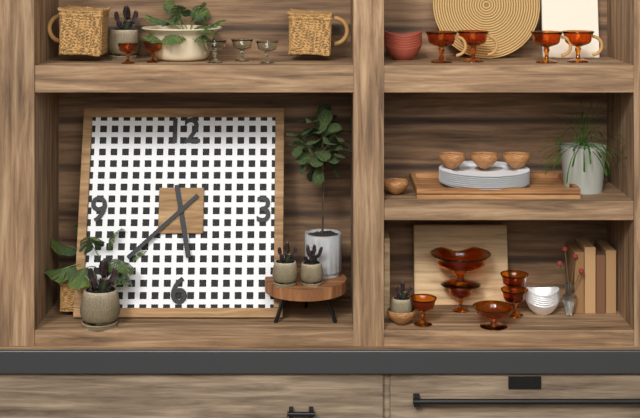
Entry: 5h38
